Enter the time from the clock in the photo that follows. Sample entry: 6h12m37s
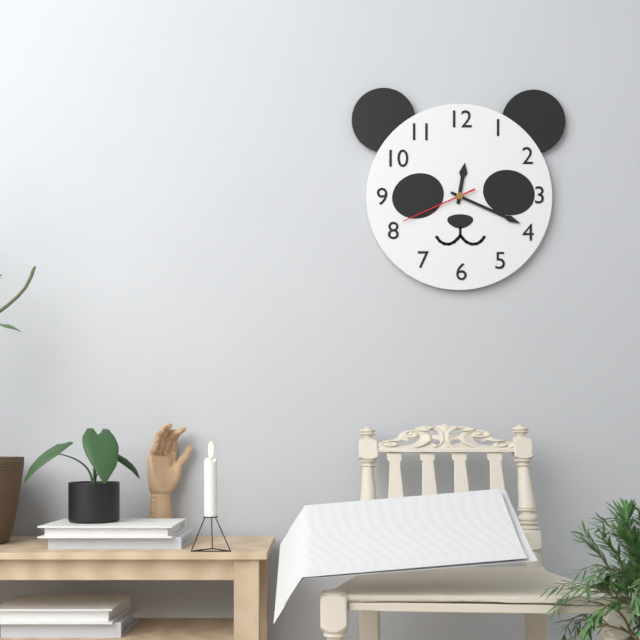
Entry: 12h19m41s
